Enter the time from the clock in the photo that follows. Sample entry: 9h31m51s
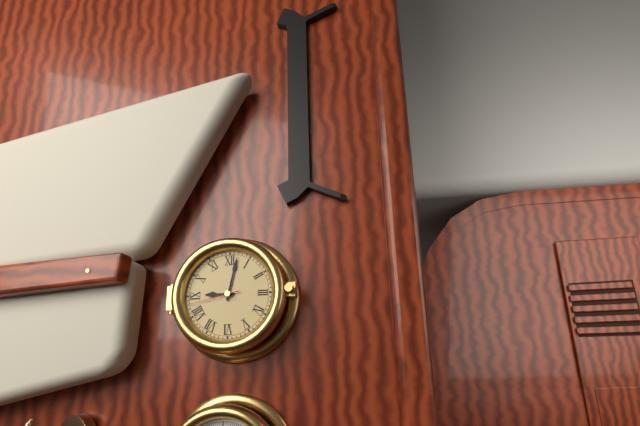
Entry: 9h02m43s
